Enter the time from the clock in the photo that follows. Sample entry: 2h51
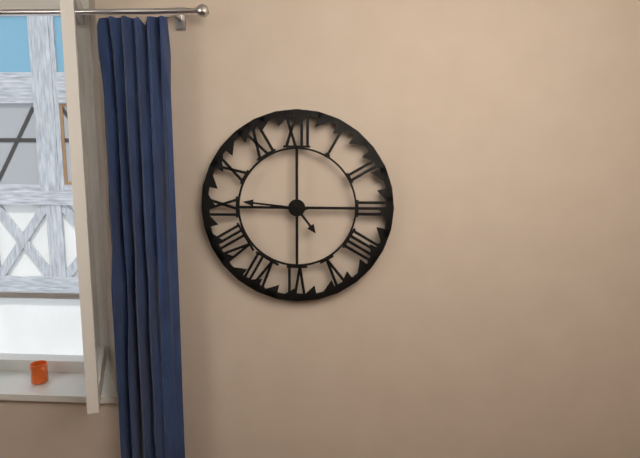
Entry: 4h46
